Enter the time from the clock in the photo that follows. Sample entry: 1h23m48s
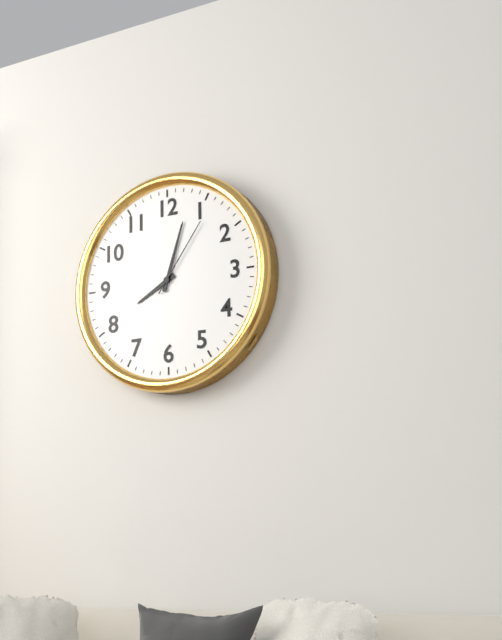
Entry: 8h03m06s
